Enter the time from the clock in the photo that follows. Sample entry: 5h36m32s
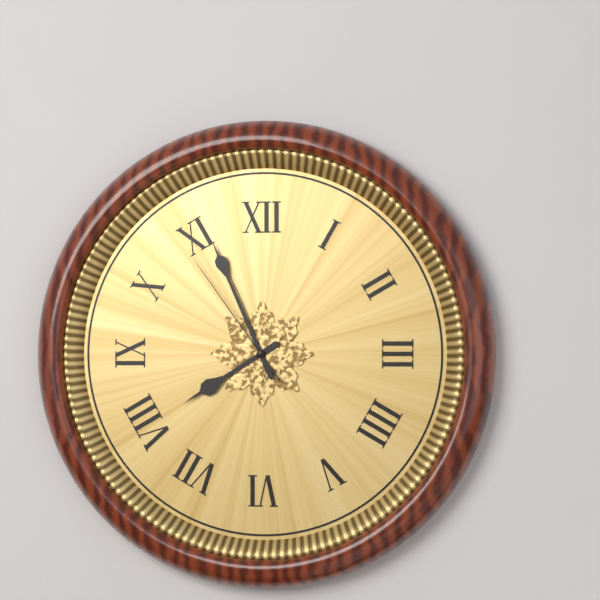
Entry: 7h56m54s
